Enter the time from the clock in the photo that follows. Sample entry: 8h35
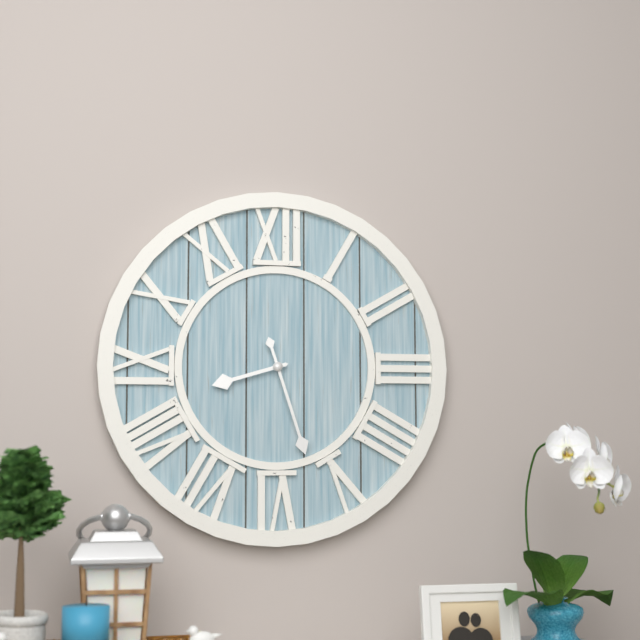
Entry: 8h27
